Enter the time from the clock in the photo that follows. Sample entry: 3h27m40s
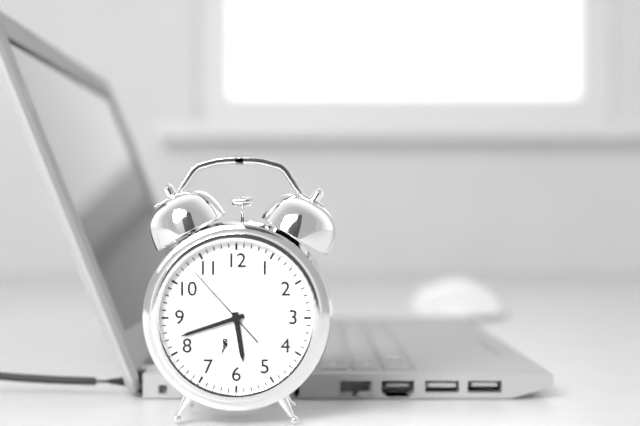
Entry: 5h42m53s
